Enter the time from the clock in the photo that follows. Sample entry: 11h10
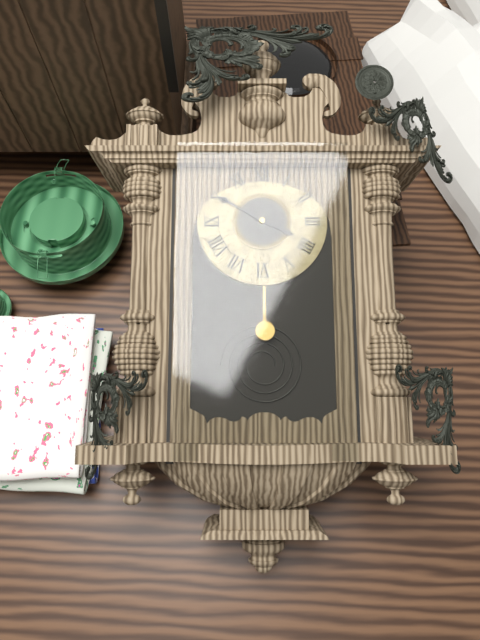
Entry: 3h50
